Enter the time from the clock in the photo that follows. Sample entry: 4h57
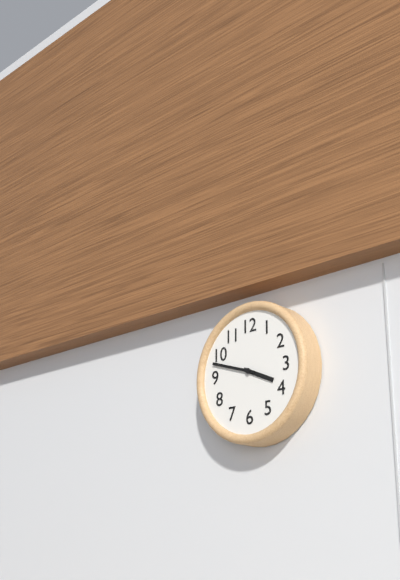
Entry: 3h48
